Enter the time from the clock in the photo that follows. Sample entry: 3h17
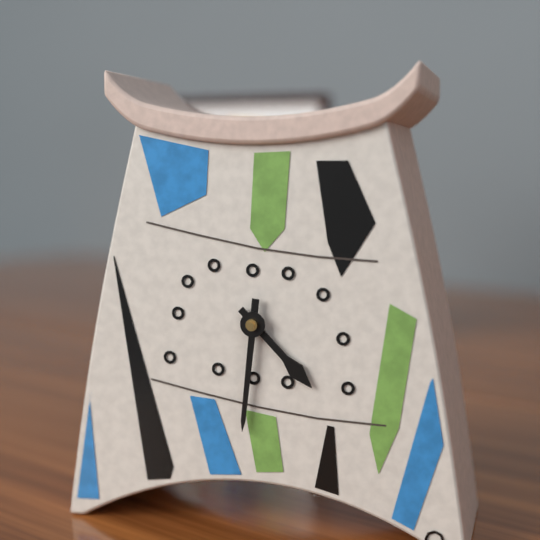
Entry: 4h31
